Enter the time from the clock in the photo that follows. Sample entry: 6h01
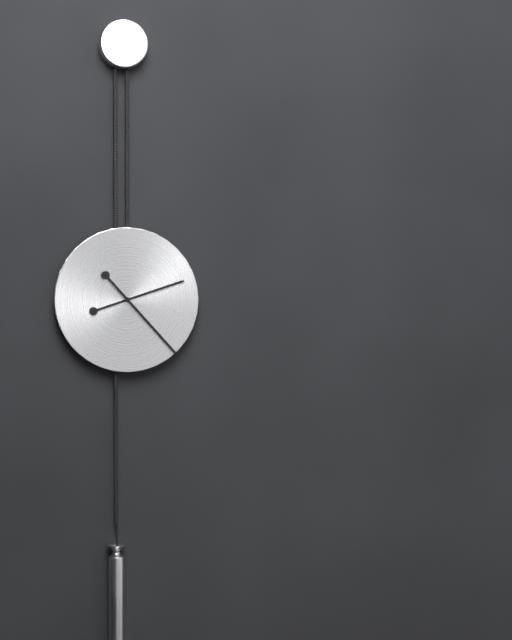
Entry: 2h23
